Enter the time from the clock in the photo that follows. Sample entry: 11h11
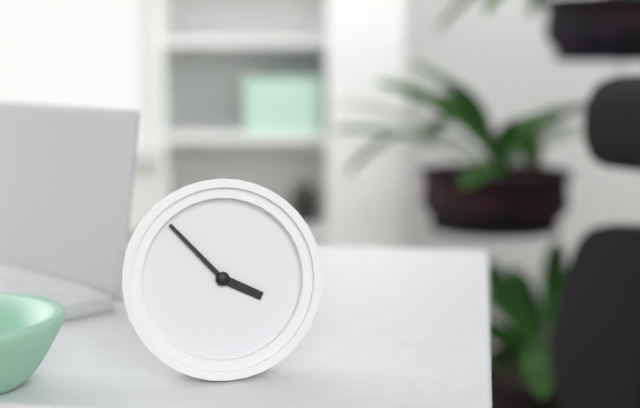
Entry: 3h53
